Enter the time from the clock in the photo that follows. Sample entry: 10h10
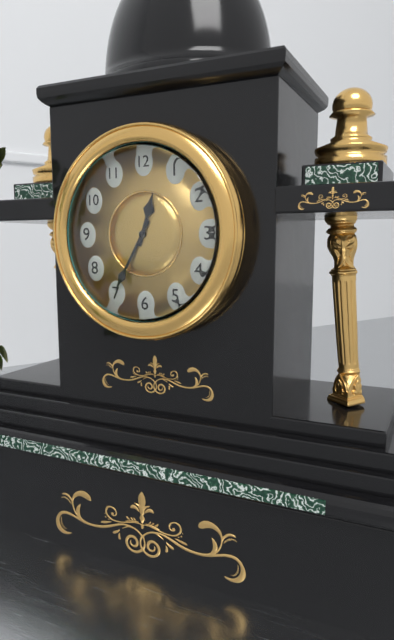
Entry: 12h35
